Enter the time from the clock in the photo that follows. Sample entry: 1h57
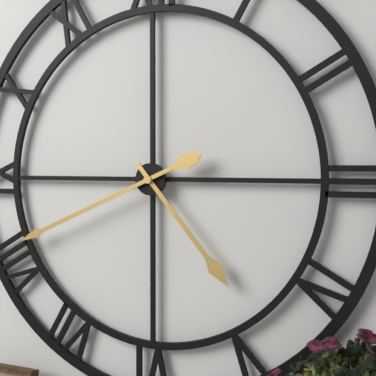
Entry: 4h41
